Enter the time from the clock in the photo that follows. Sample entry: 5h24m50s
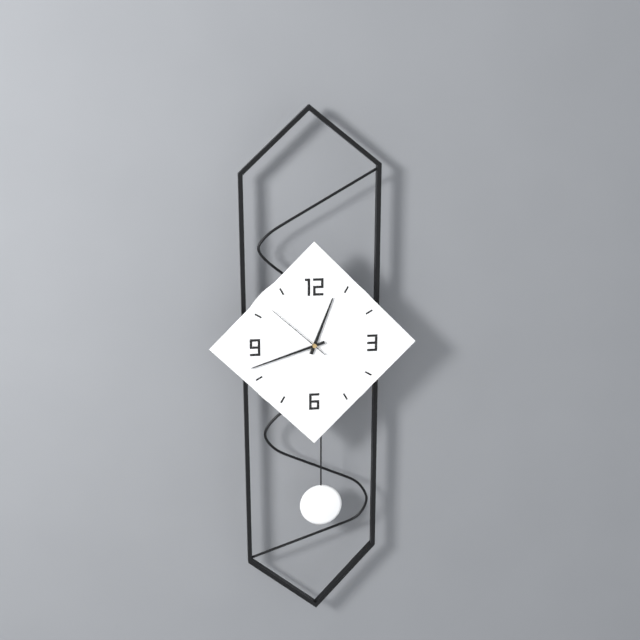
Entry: 12h42m52s
